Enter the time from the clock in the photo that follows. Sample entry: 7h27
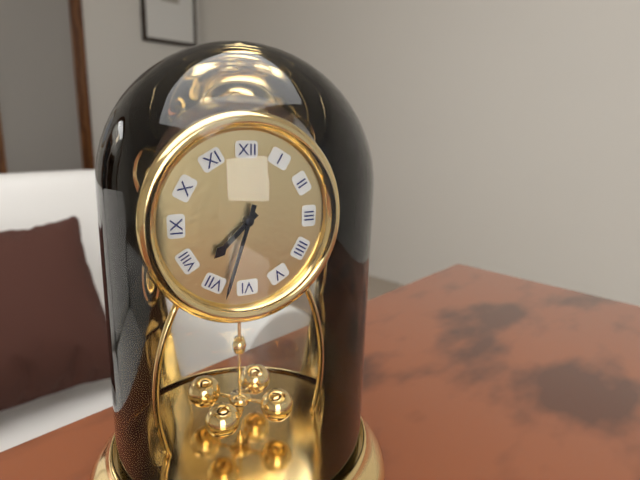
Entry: 7h33
